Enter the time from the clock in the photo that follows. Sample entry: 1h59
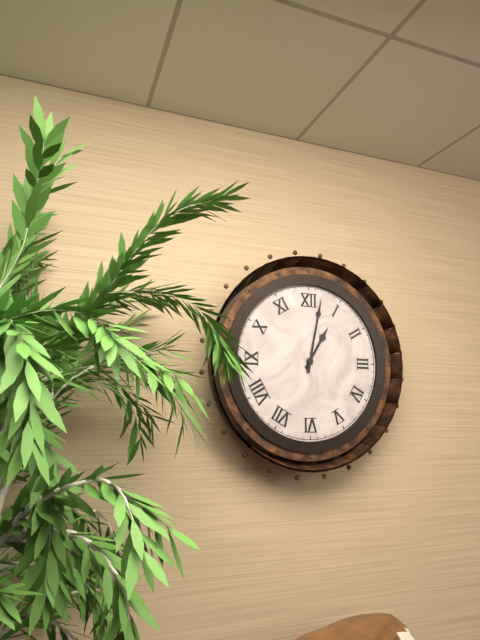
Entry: 1h02
